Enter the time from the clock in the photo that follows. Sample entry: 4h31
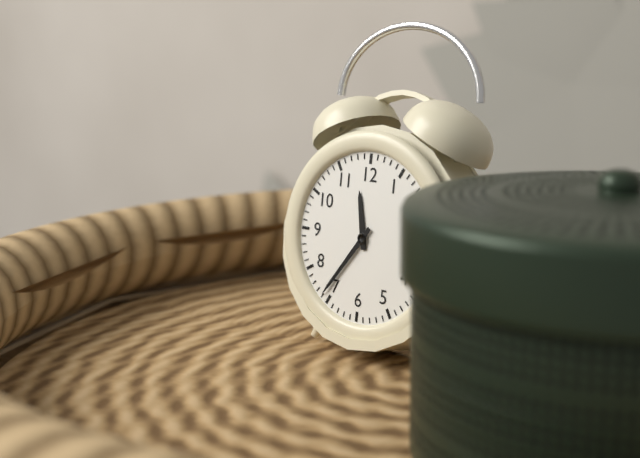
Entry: 11h36
